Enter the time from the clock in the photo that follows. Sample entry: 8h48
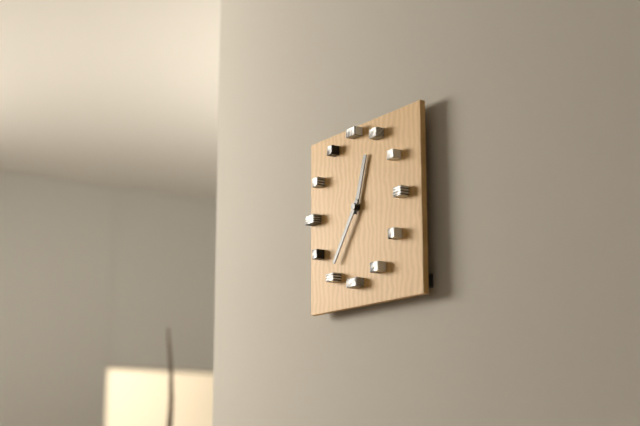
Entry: 12h36
